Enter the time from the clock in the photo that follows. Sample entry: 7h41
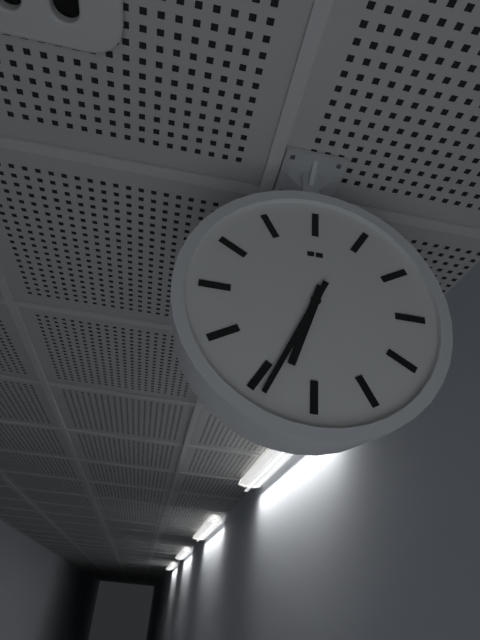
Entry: 6h34
